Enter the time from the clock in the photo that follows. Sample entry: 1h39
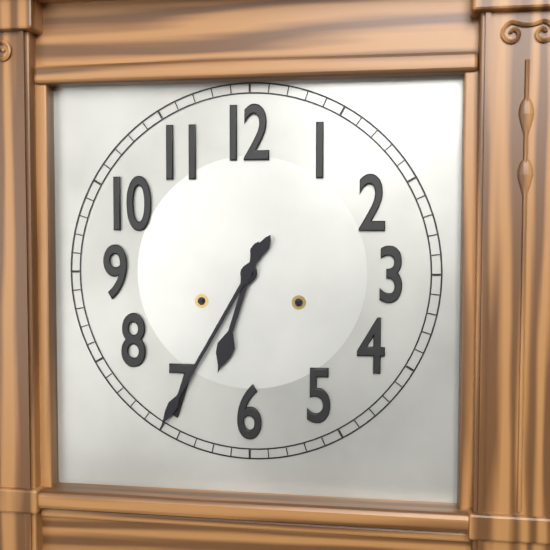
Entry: 6h35
